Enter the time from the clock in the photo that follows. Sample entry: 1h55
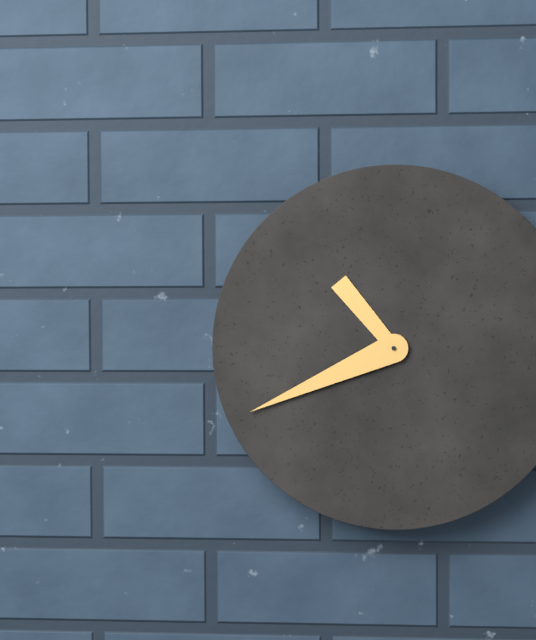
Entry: 10h41
